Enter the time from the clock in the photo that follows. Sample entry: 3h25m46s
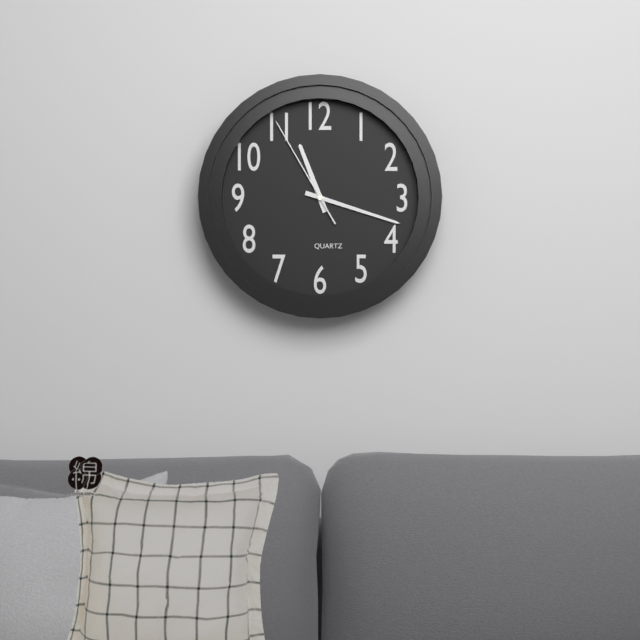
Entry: 11h18m55s
